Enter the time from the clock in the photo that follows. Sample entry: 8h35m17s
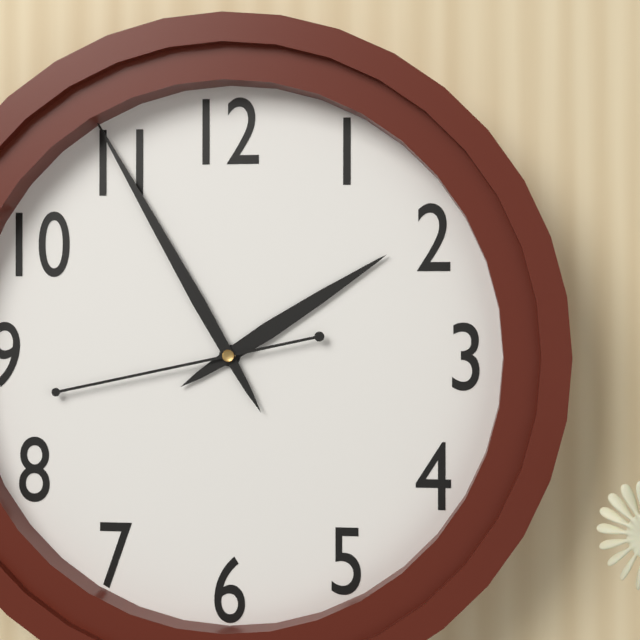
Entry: 1h55m43s
